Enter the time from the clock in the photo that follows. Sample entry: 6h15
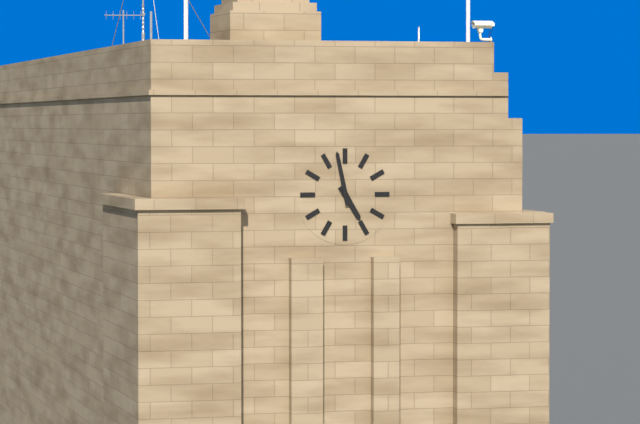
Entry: 4h58
